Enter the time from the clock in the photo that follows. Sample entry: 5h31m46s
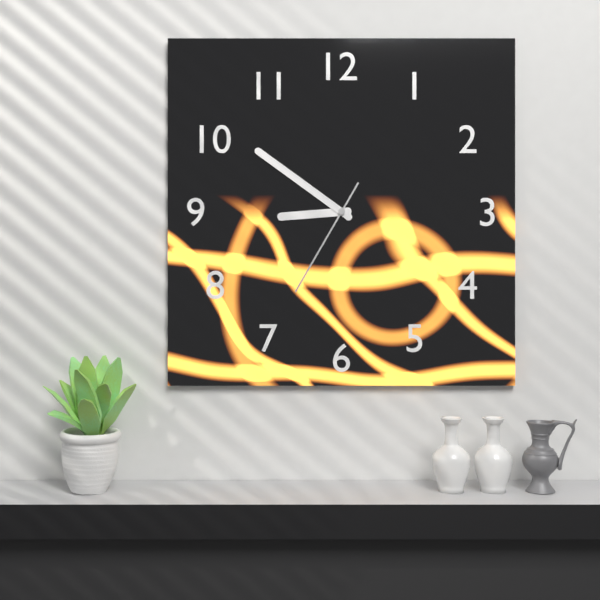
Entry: 8h51m35s
